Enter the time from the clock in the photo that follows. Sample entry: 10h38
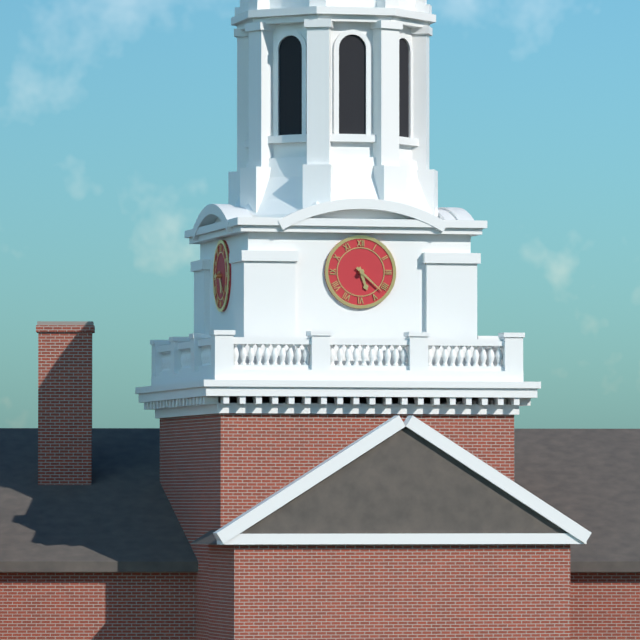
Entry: 5h22
